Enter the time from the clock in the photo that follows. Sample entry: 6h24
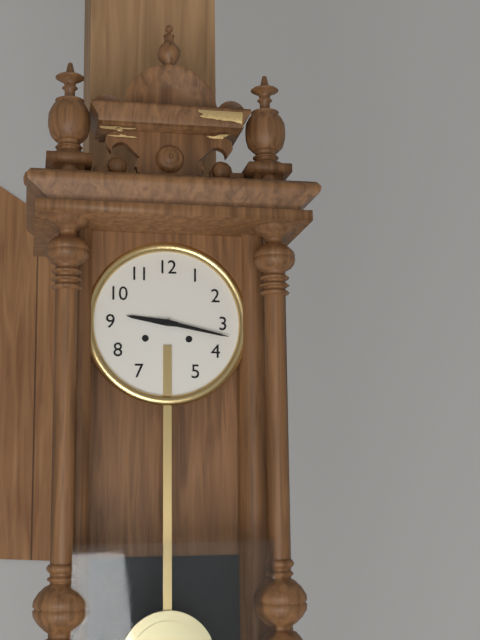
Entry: 9h17
